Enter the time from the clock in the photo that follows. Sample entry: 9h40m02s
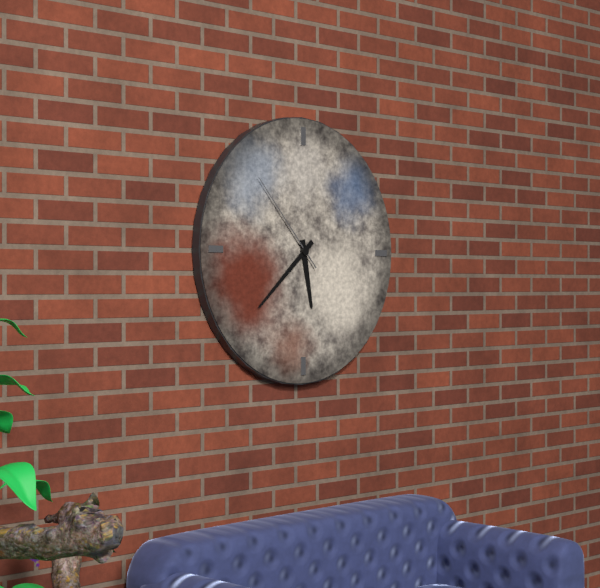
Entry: 5h38m53s
